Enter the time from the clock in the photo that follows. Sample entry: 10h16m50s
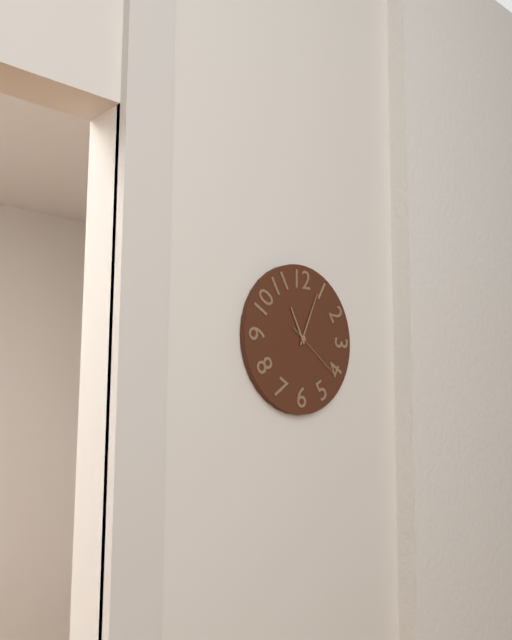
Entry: 11h04m21s
